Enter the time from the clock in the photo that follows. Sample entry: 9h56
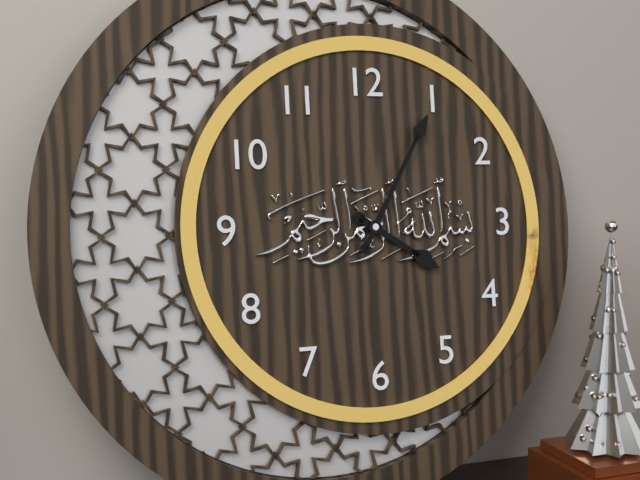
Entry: 4h05
